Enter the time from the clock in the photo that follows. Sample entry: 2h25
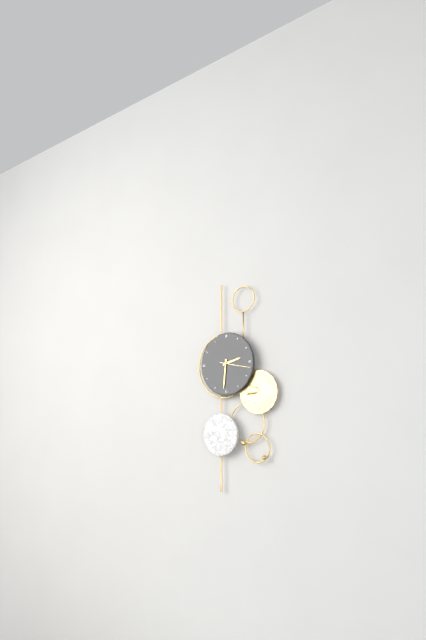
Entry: 2h31
